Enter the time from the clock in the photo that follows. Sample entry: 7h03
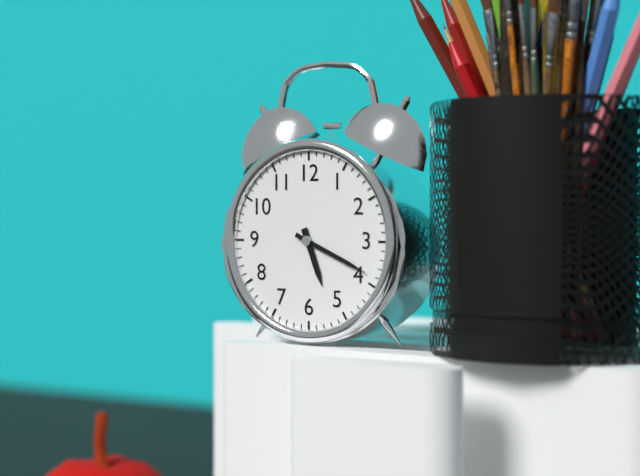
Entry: 5h19
